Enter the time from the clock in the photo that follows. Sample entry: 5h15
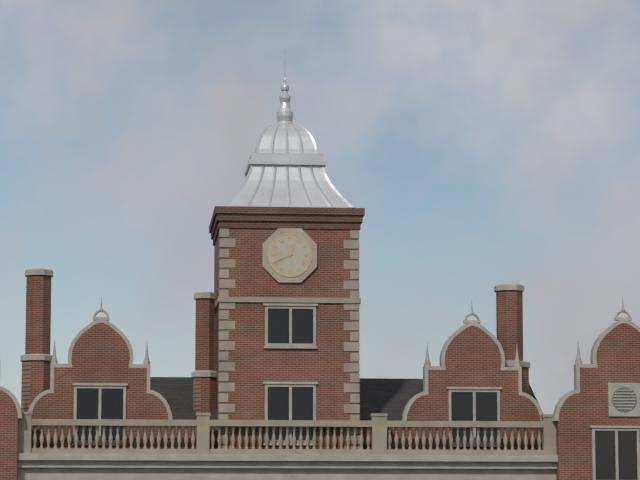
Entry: 12h41
